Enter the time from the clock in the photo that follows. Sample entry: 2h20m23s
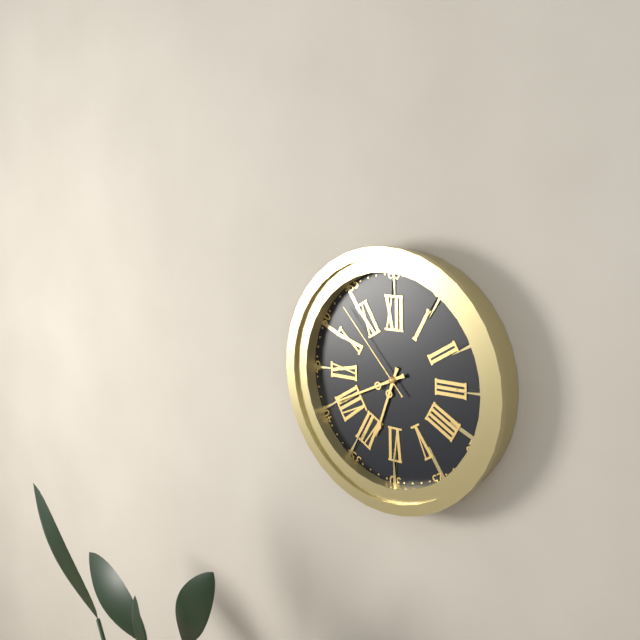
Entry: 6h41m53s
